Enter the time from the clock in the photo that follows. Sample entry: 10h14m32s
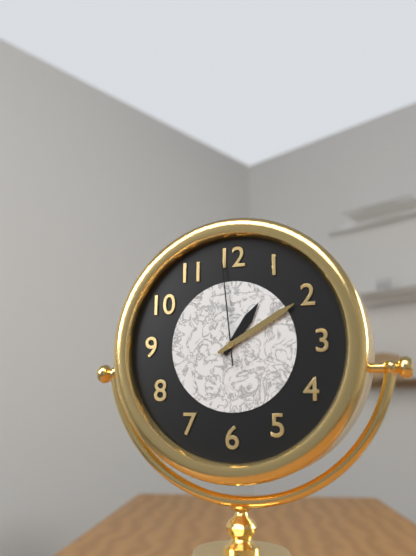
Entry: 1h10m59s
